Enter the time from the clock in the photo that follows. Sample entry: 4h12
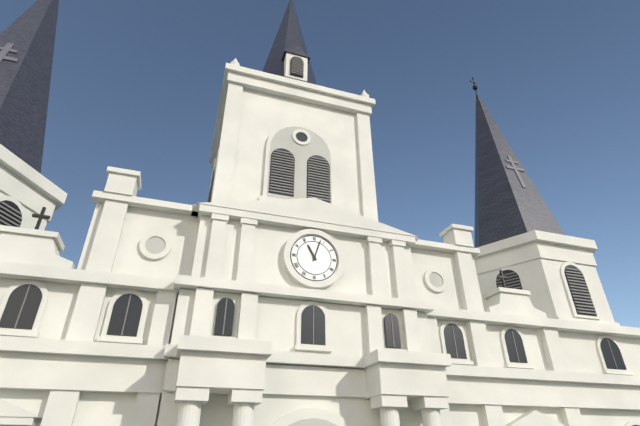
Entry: 11h03
